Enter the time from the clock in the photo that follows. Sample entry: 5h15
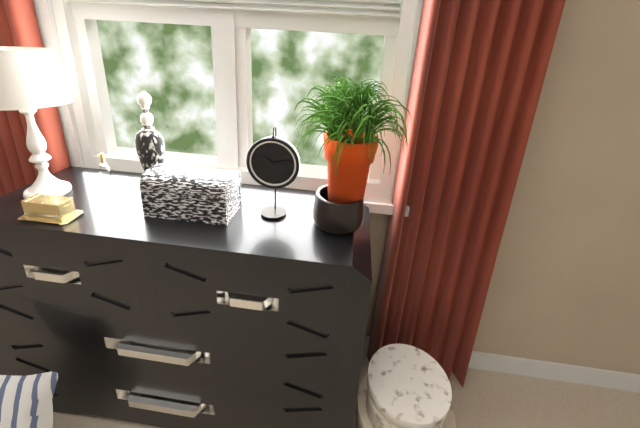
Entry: 10h12
